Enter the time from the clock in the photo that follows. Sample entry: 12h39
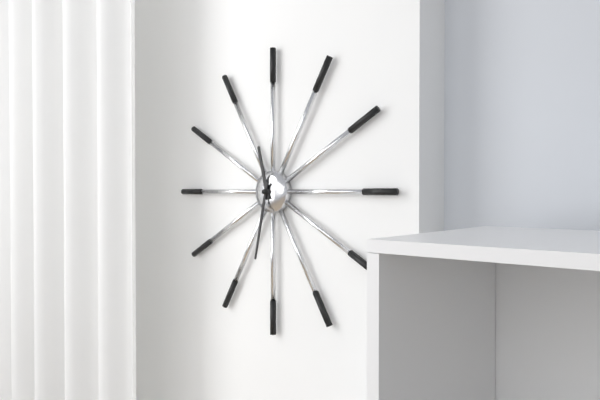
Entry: 11h32
